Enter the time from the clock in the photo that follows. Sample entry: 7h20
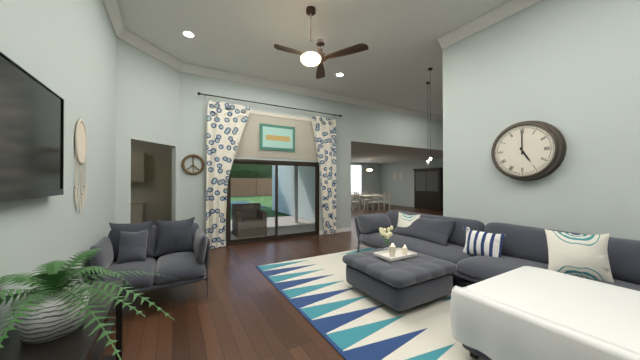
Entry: 5h00
